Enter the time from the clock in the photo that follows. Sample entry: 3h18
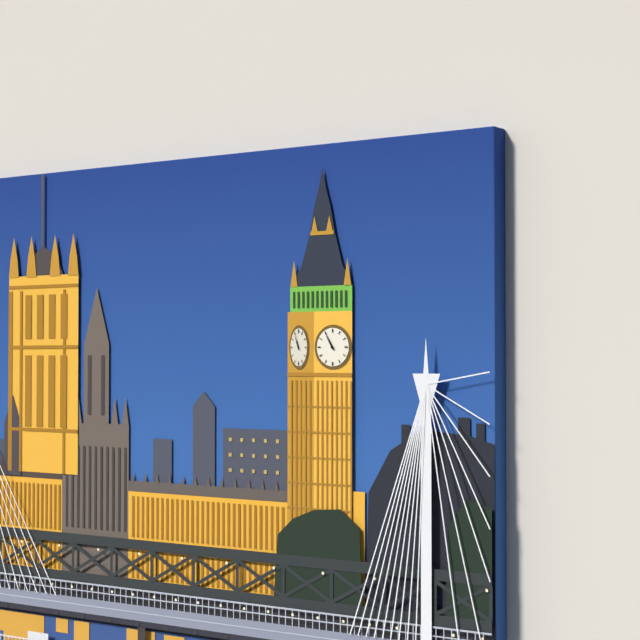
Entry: 10h55
